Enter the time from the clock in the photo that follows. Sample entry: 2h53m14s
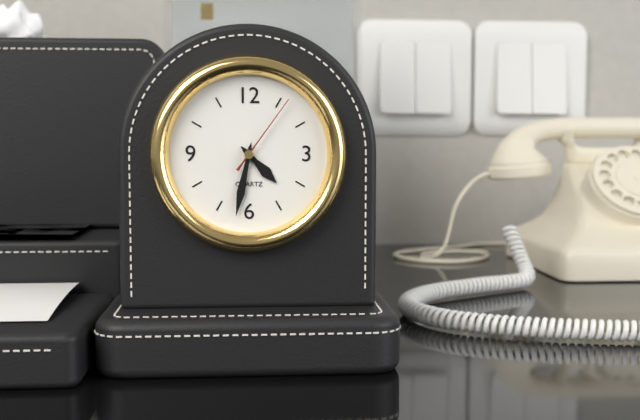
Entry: 4h32m06s
